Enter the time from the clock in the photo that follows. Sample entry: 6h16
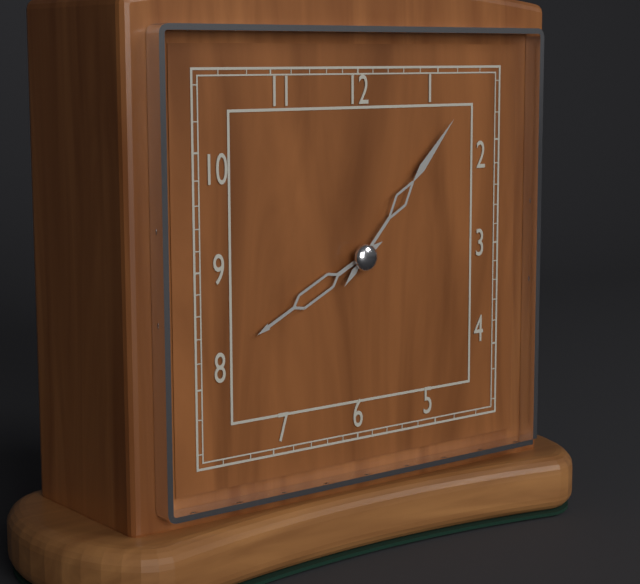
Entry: 8h07
